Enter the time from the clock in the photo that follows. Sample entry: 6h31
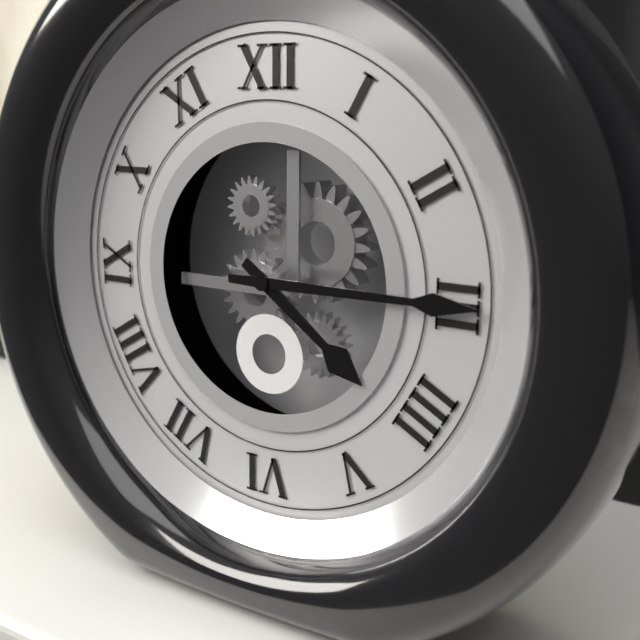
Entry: 4h15
